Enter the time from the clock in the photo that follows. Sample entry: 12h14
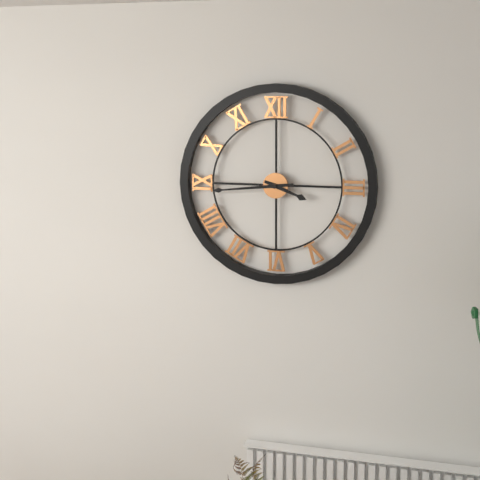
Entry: 3h44
